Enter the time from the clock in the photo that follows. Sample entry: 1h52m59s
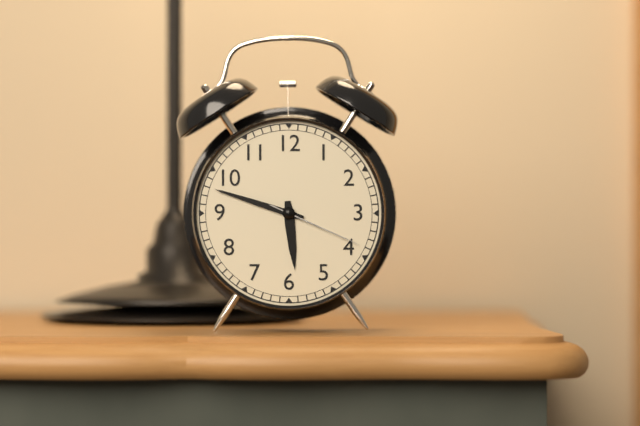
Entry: 5h48m19s
